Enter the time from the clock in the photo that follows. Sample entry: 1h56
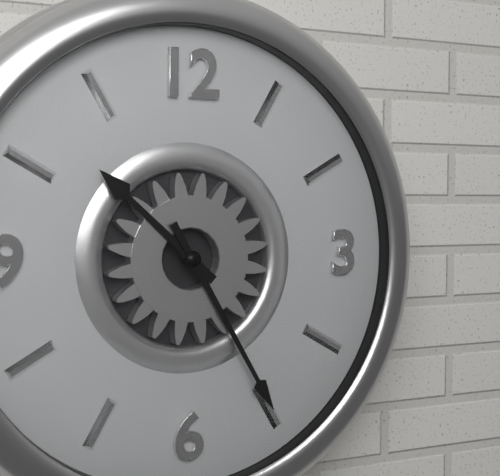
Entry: 10h25
